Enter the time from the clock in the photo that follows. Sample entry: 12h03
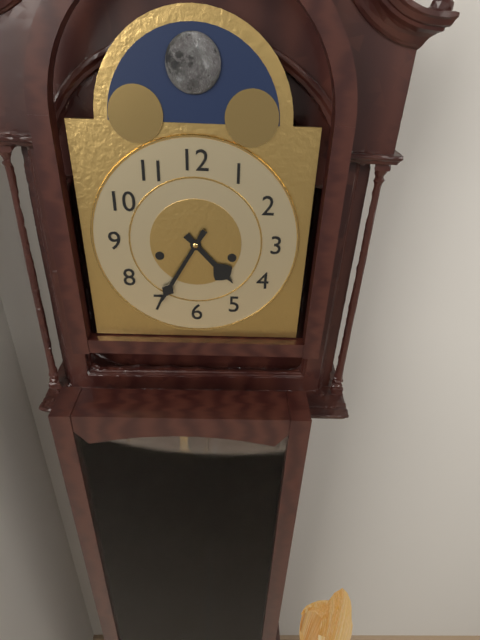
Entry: 4h35
